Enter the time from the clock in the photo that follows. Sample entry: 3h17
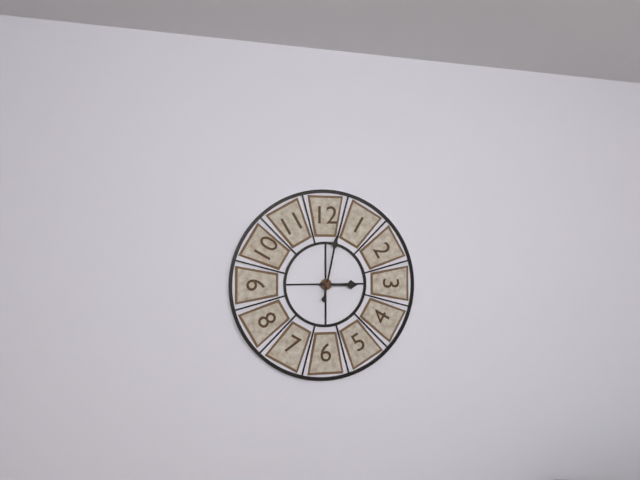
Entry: 3h02
